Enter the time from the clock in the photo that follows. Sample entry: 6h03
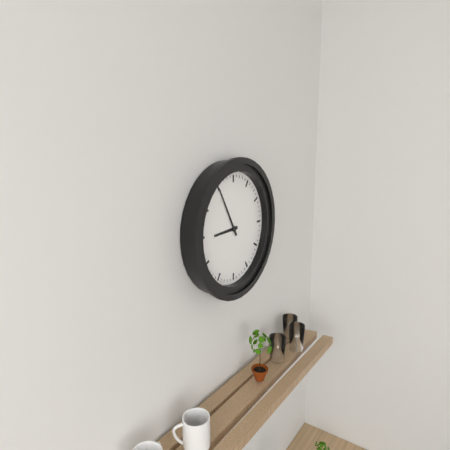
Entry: 8h55
